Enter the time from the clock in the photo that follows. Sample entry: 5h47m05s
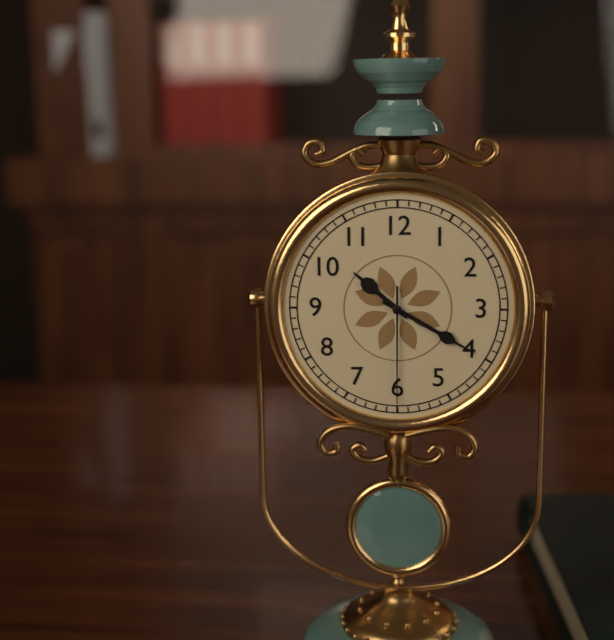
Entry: 10h20m30s
